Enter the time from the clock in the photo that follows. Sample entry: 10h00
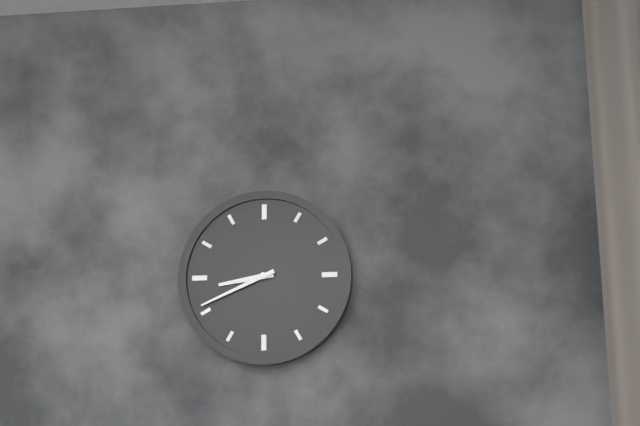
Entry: 8h41
